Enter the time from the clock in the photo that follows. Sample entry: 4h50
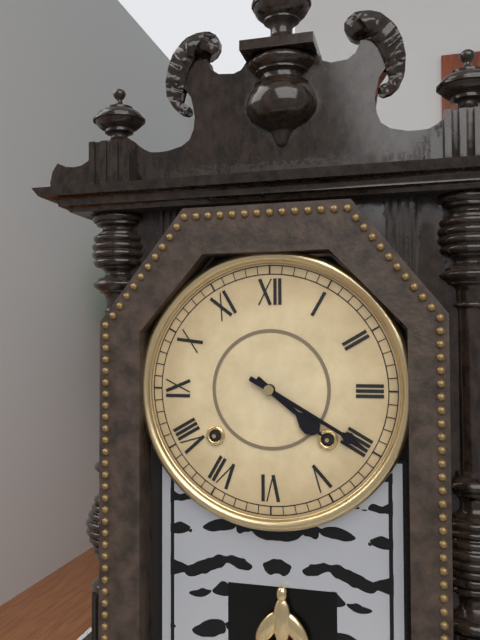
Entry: 4h20
